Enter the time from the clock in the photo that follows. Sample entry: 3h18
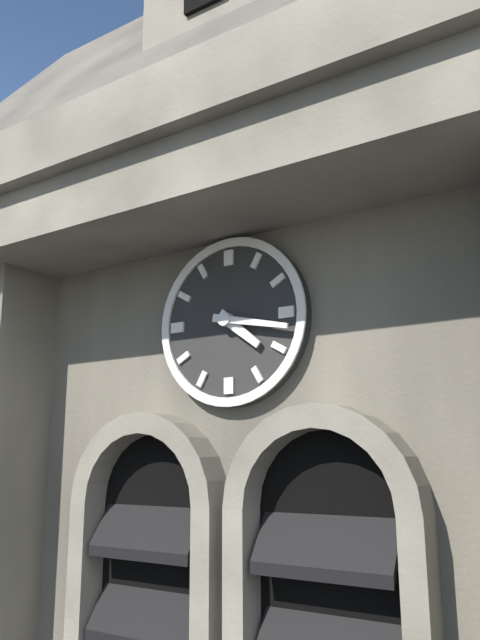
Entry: 4h17
